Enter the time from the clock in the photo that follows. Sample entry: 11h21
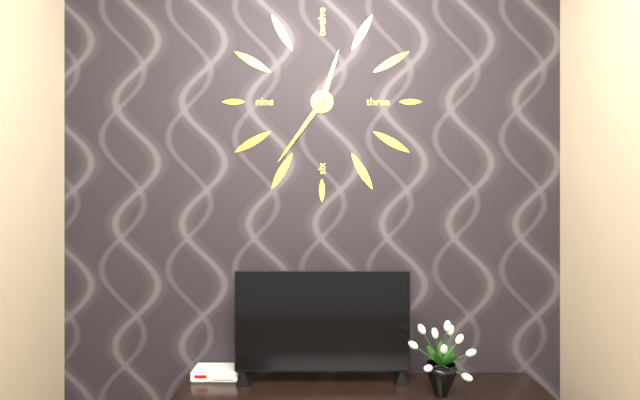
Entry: 12h36
